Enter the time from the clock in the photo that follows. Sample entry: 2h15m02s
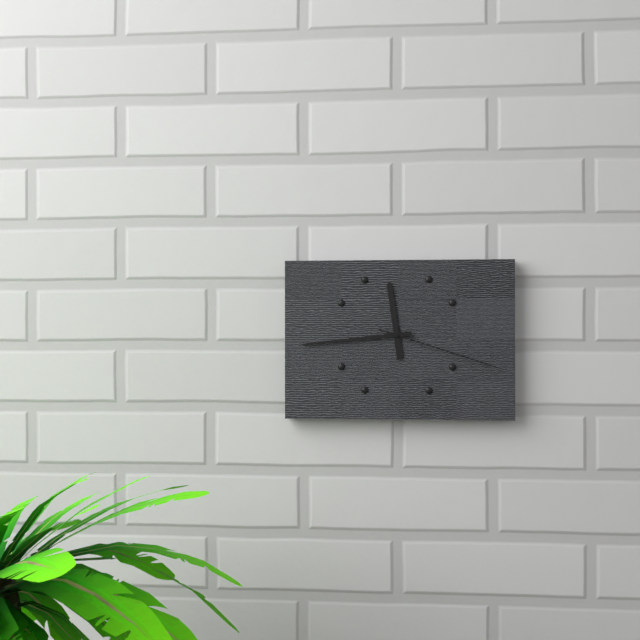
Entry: 11h44m18s
